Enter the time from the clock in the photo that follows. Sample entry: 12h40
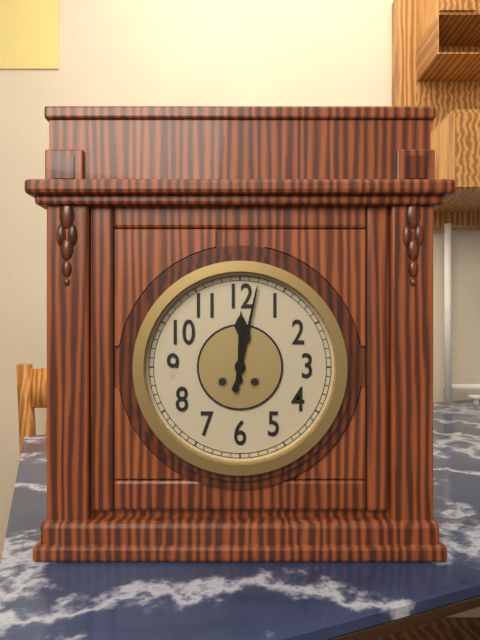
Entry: 12h02
